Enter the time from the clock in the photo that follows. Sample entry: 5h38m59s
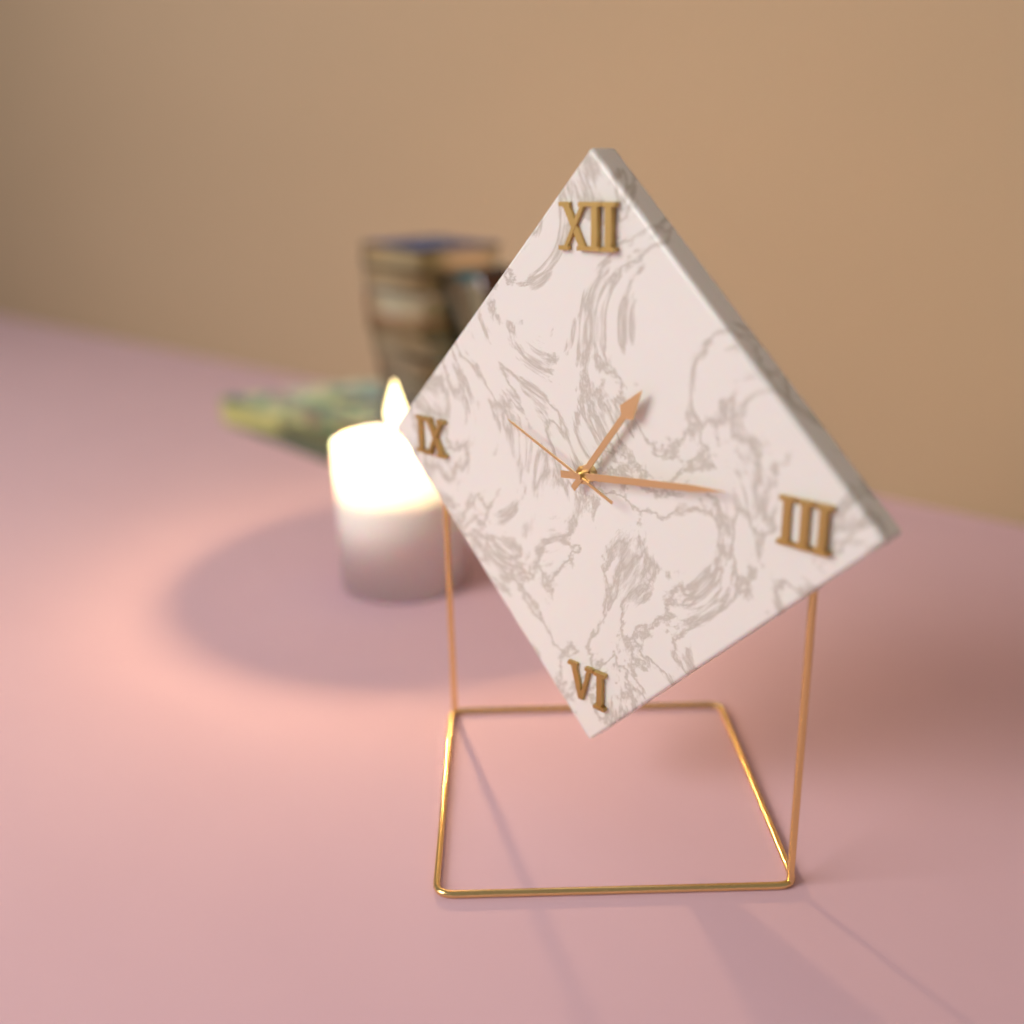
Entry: 1h14m49s
